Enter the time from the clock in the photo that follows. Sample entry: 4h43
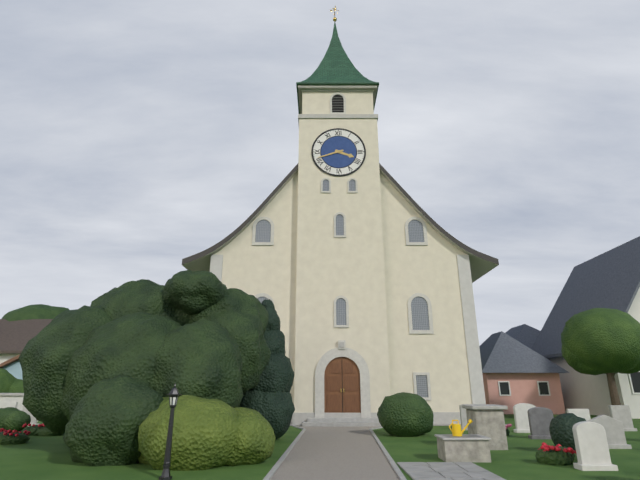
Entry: 3h42
